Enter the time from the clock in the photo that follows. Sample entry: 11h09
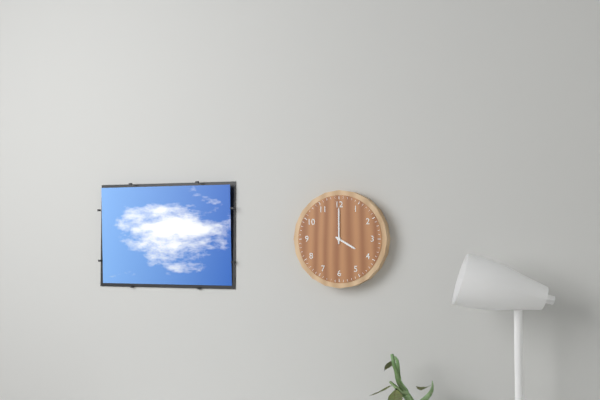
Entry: 4h00
